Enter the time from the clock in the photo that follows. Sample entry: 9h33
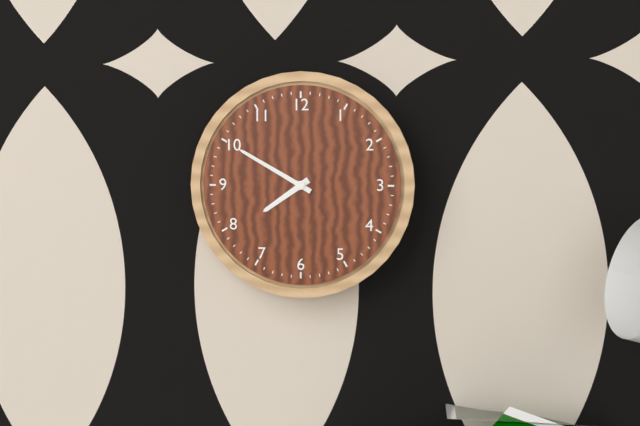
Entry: 7h50
